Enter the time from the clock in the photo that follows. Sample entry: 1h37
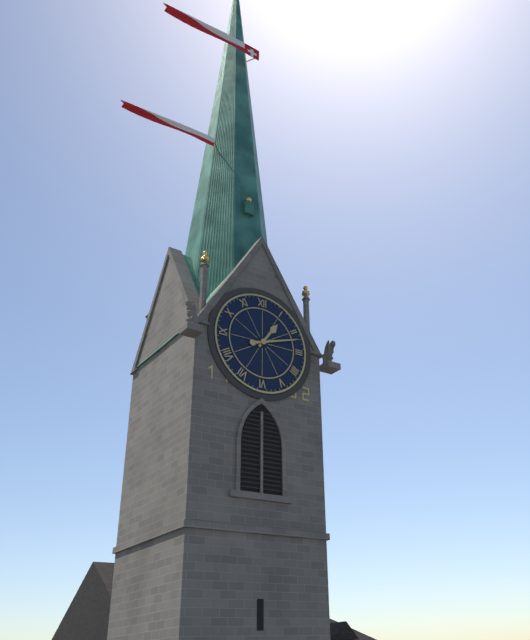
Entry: 1h12
